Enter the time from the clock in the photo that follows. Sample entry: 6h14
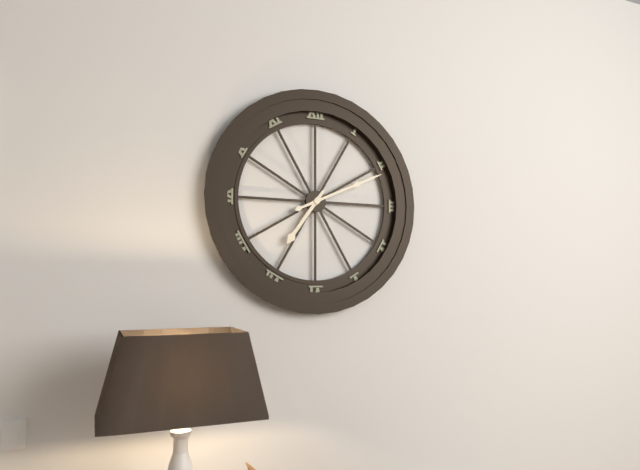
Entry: 7h11
